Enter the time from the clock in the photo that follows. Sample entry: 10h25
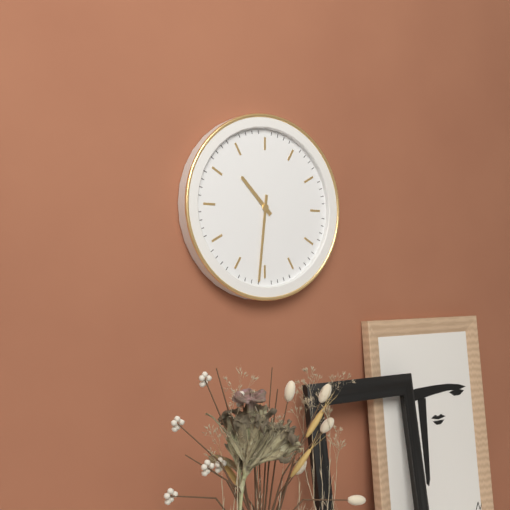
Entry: 10h31
